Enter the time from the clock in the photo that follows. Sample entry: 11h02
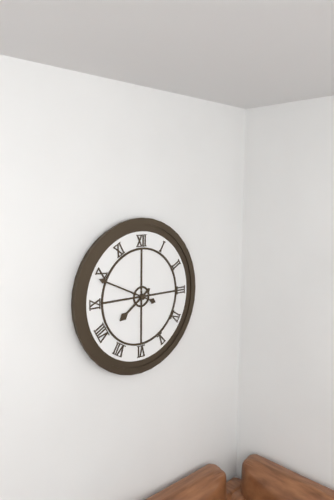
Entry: 7h49
